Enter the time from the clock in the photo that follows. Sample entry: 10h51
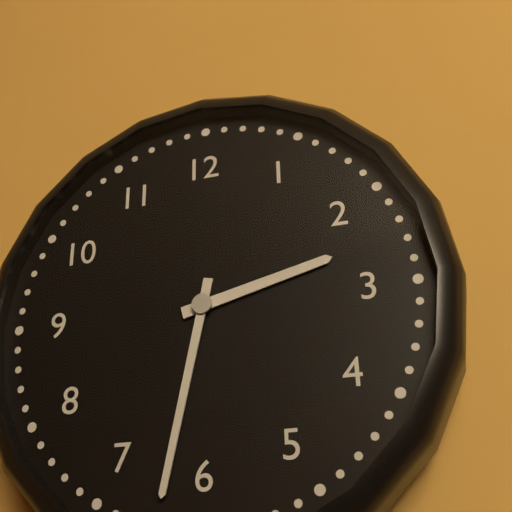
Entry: 2h32
